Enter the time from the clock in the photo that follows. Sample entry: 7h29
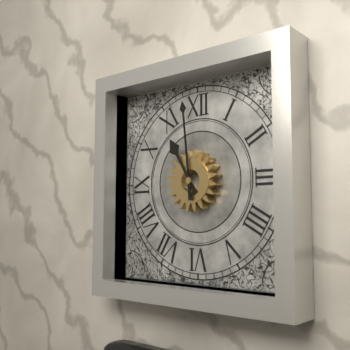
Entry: 10h59
